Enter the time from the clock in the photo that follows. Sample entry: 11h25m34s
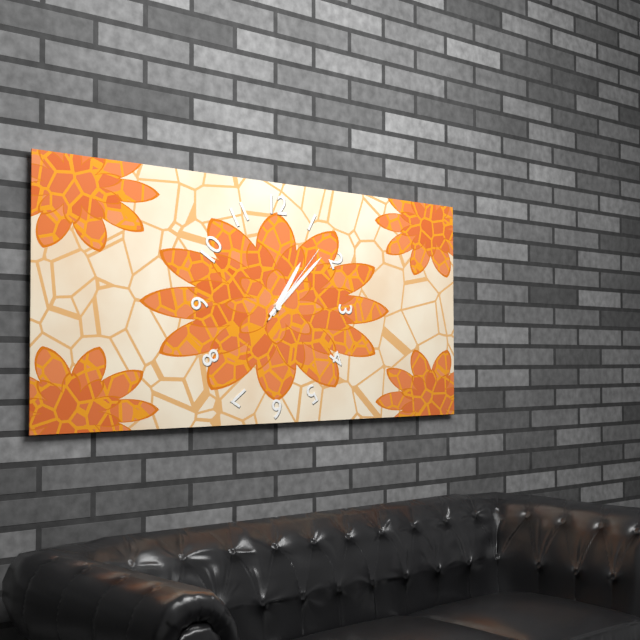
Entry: 1h08m07s
